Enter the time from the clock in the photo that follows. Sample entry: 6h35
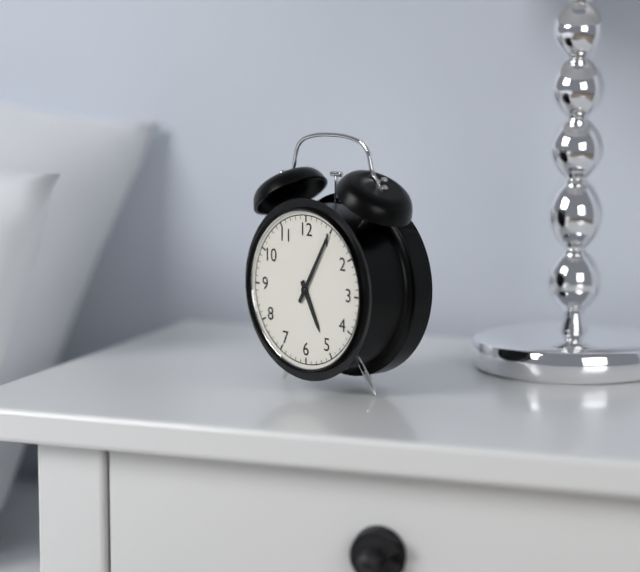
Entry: 5h05
